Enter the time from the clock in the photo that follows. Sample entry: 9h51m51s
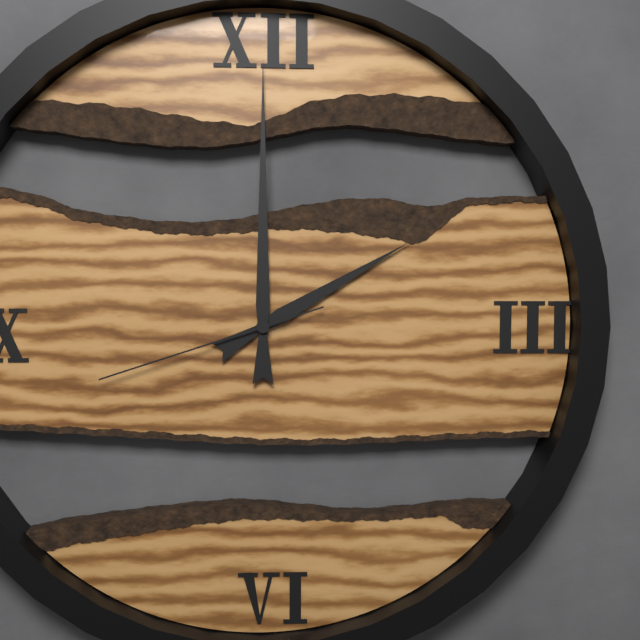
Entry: 2h00m42s
